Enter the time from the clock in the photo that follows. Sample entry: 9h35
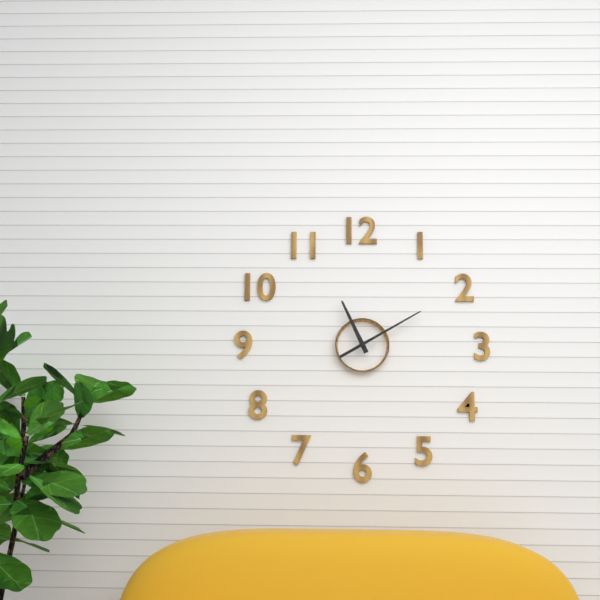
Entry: 11h10
